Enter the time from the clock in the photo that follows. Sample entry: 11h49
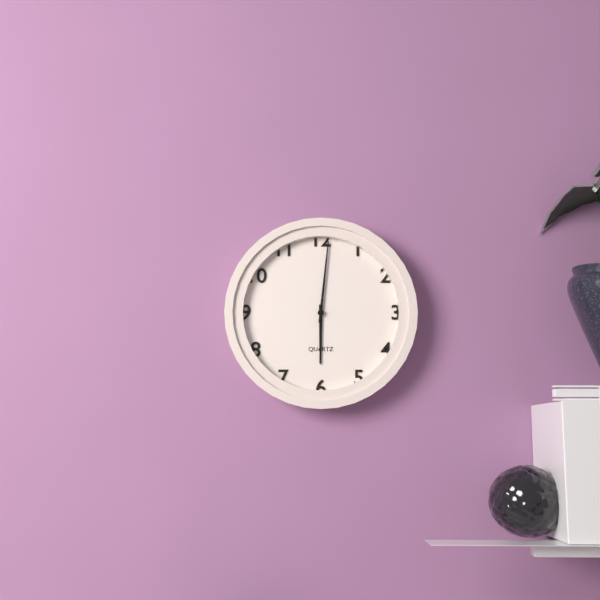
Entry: 6h01
